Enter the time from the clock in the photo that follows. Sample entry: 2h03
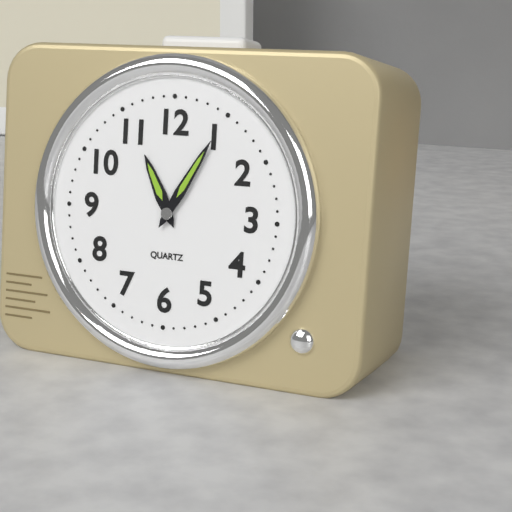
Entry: 11h05
